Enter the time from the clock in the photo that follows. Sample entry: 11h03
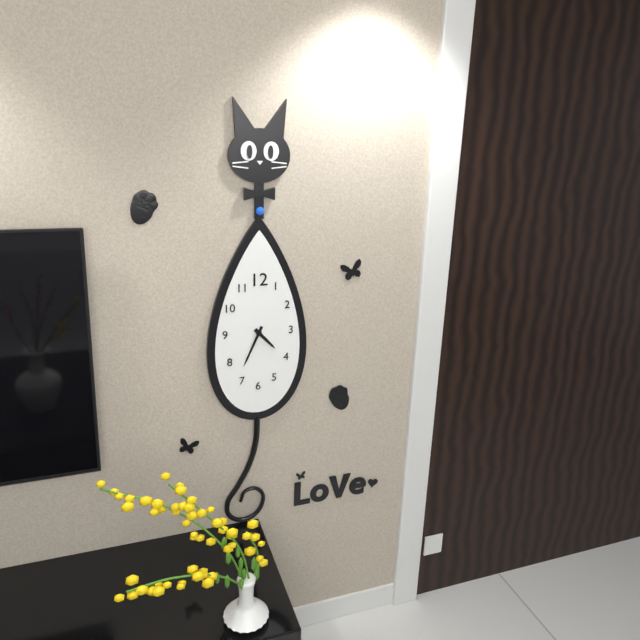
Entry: 4h34
